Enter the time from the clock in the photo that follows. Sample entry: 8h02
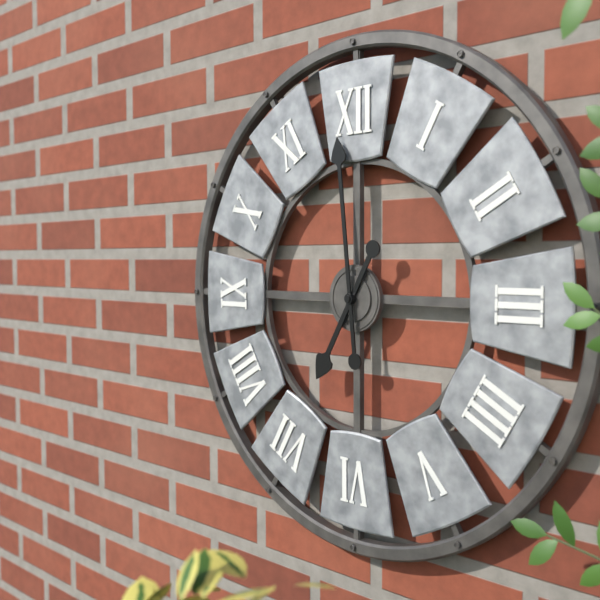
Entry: 6h59
